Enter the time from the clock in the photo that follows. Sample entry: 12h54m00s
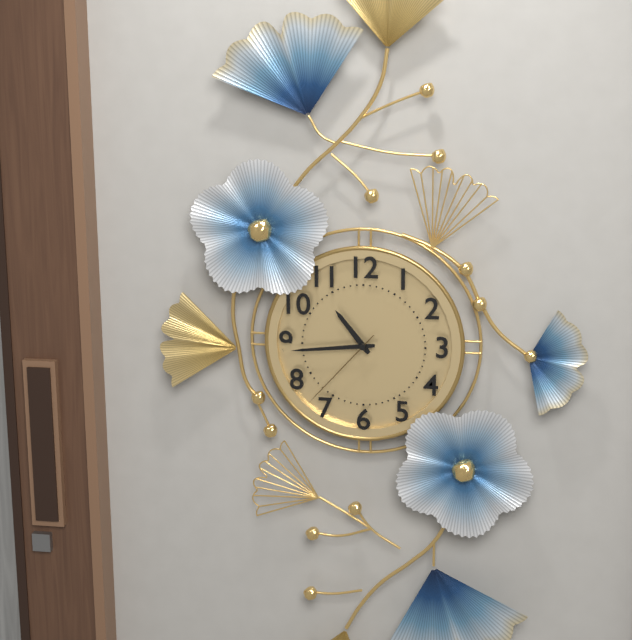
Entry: 10h44m37s
